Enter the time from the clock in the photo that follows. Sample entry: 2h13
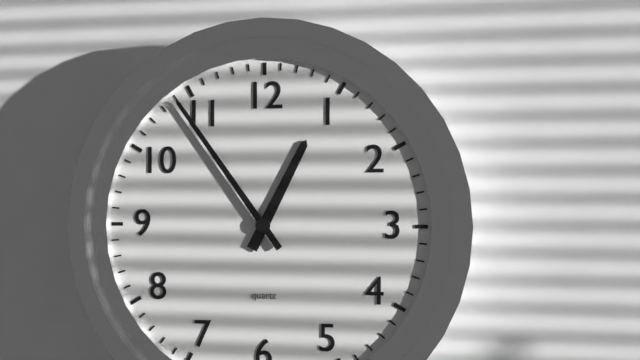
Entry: 12h54
